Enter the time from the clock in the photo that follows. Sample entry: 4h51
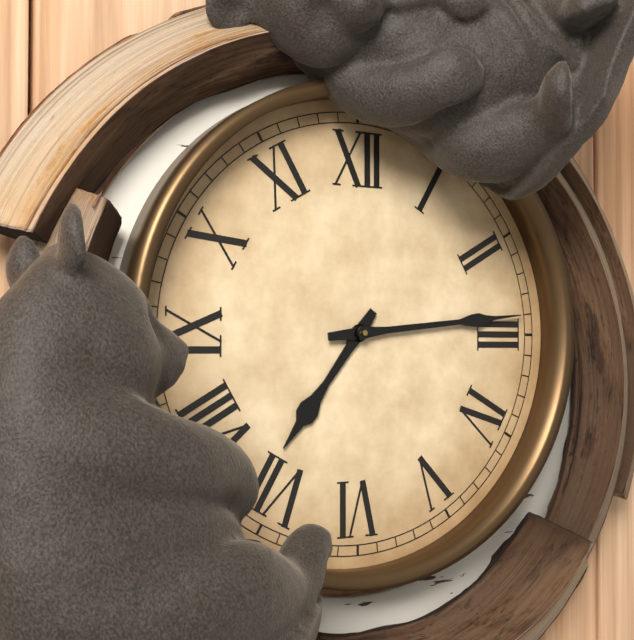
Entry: 7h14
